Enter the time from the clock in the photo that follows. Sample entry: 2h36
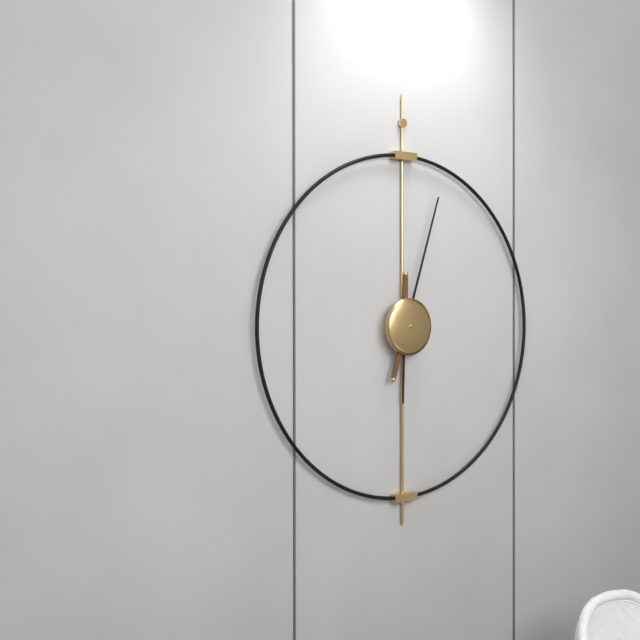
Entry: 6h03
